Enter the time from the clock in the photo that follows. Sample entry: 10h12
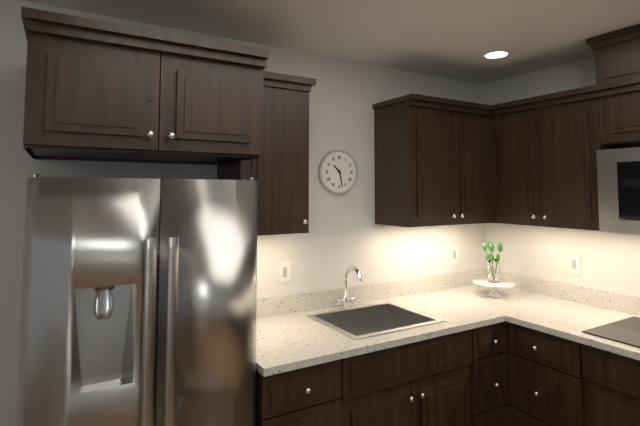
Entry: 10h28
